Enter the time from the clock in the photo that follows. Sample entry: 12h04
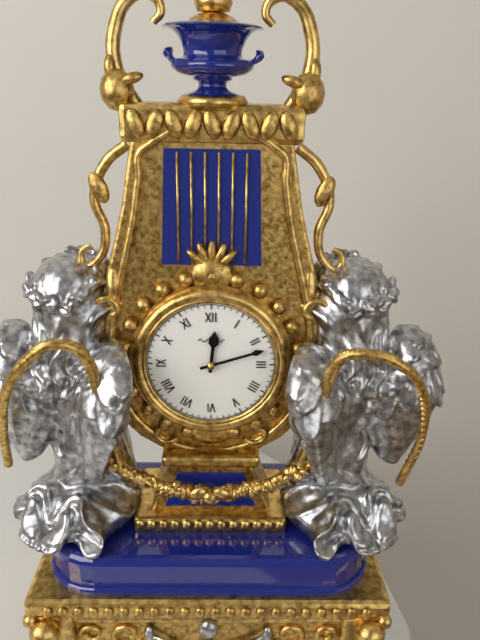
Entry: 12h12
